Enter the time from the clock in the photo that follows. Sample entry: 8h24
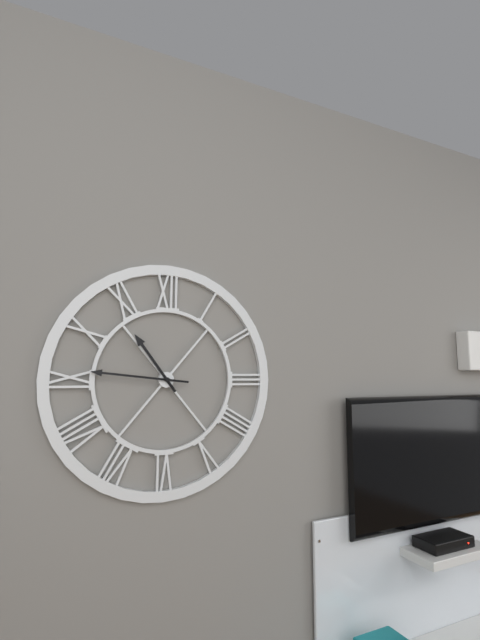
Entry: 10h46
